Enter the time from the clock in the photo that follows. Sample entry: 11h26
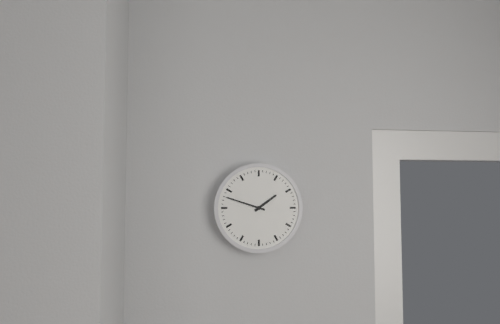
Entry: 1h48
